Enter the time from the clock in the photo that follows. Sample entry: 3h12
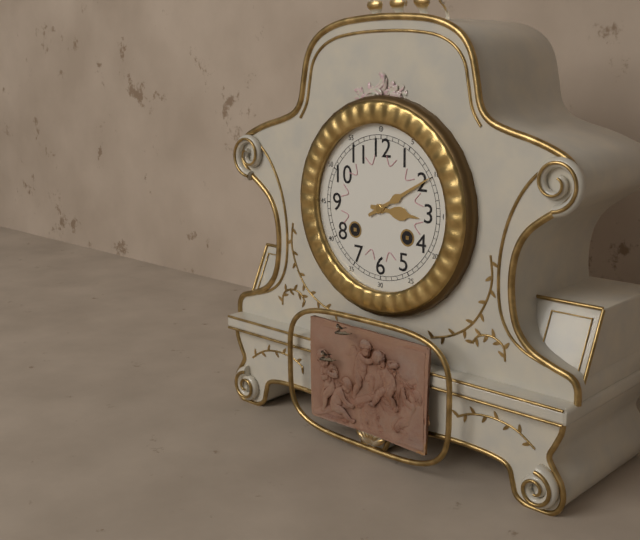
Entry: 3h10
